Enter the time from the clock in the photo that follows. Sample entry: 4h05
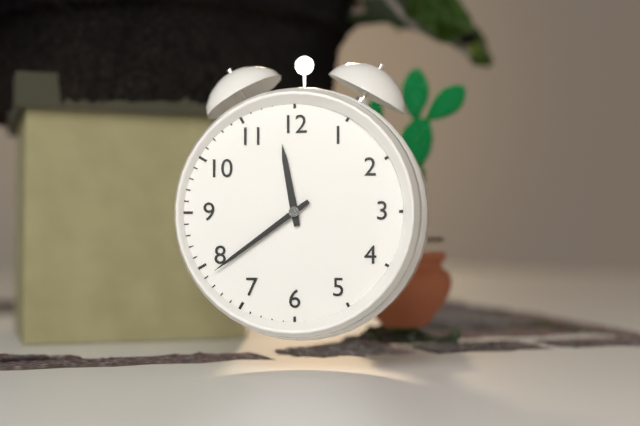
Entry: 11h39
